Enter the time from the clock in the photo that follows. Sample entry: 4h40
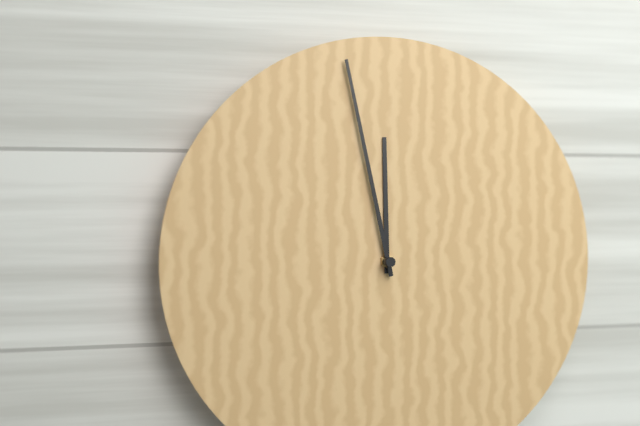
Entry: 11h58
